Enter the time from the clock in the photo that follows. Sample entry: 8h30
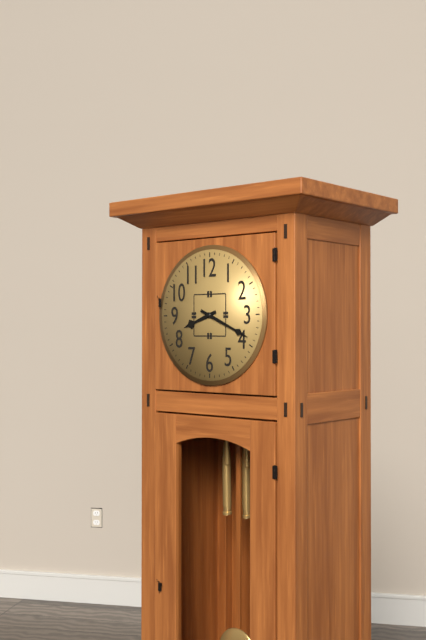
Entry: 8h19
